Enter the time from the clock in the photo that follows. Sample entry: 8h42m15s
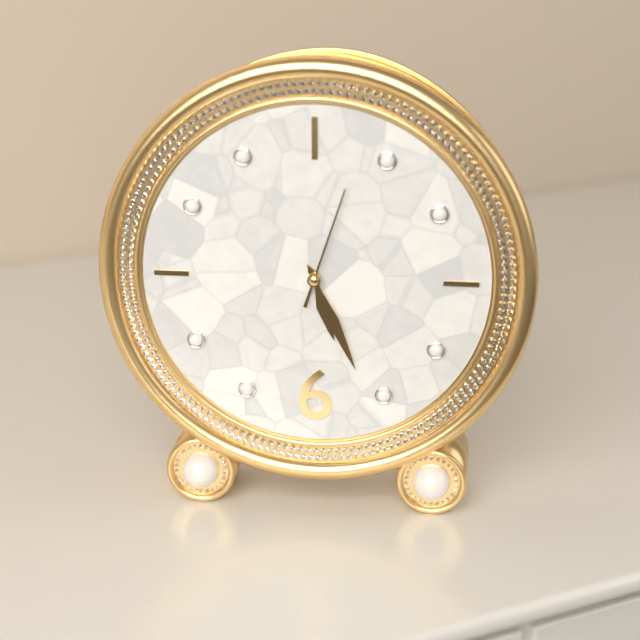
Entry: 5h26m03s
